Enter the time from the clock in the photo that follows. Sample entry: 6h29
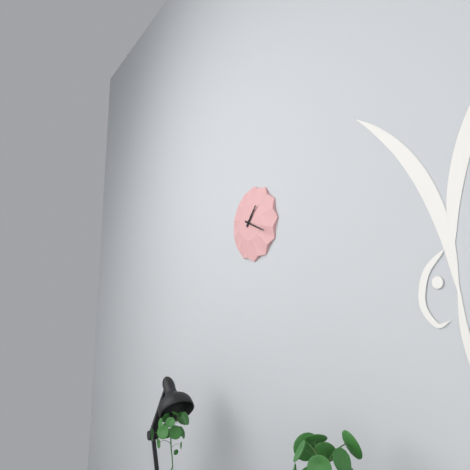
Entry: 1h19
